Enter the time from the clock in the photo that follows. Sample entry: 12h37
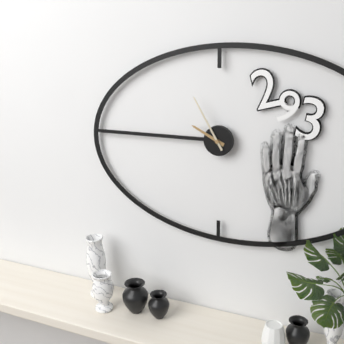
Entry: 9h55
